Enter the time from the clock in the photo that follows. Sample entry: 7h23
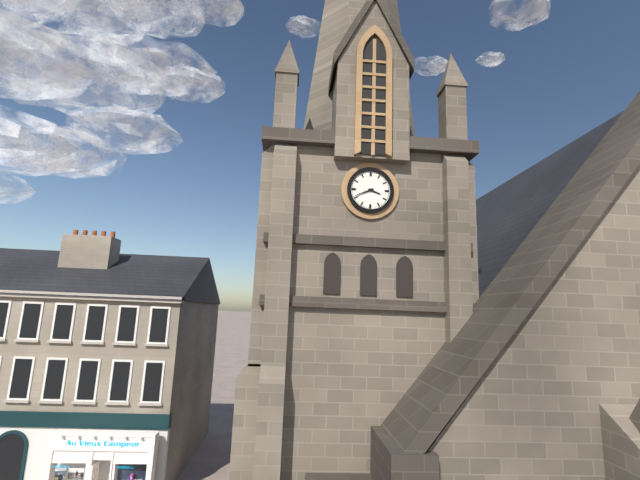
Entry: 3h41
